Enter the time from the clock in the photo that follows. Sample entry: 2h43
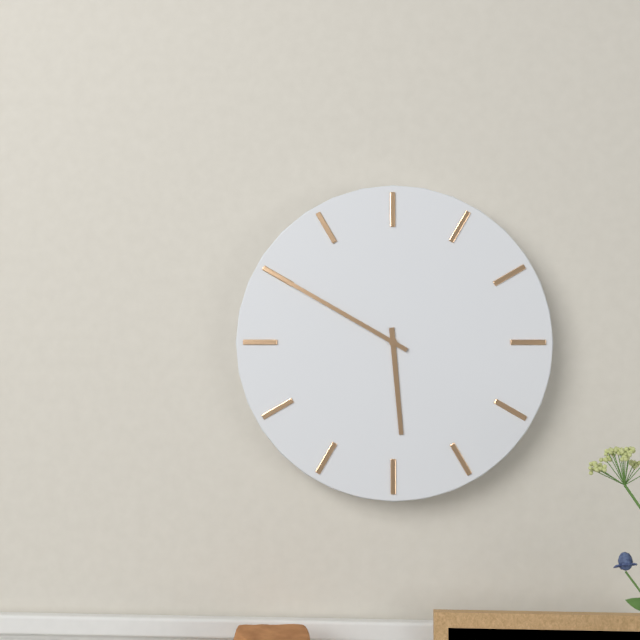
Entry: 5h50
